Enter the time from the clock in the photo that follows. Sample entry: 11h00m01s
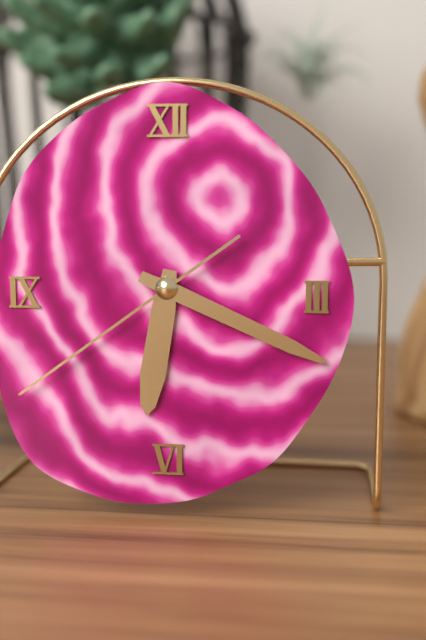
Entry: 6h19m39s
